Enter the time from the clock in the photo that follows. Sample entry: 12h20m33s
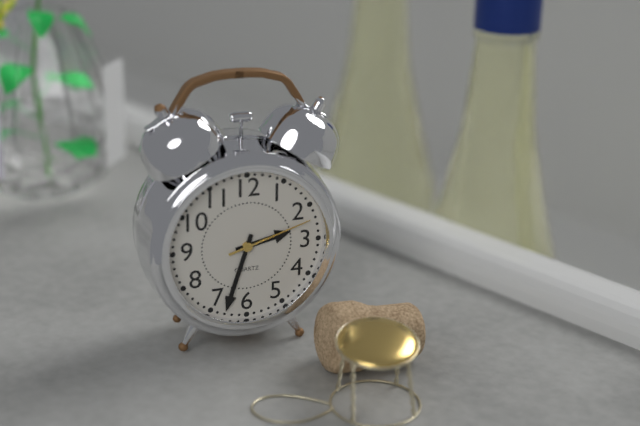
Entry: 2h33m12s
